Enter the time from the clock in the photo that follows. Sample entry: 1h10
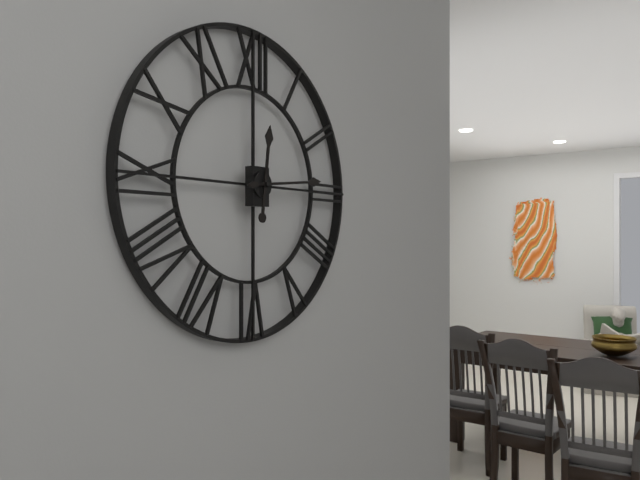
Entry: 12h14
